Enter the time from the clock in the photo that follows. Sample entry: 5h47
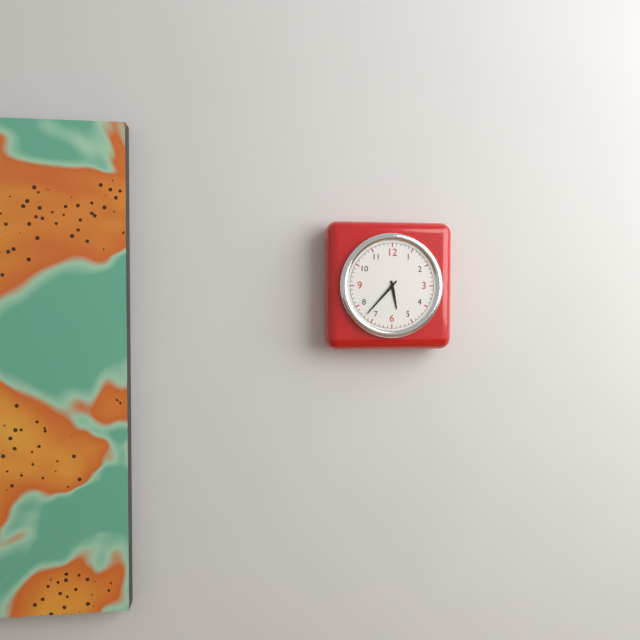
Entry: 5h37
